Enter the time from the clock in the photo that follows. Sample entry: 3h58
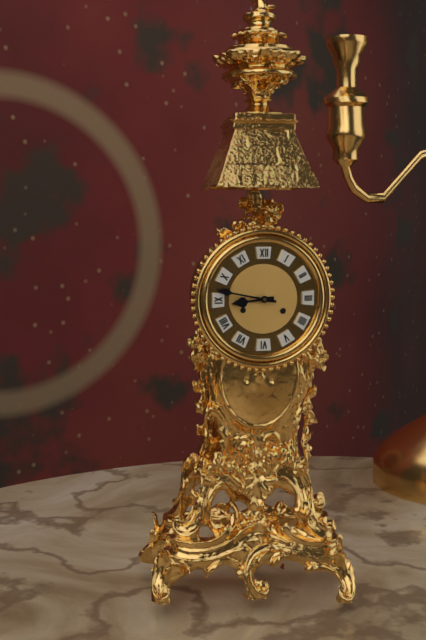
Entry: 8h47
